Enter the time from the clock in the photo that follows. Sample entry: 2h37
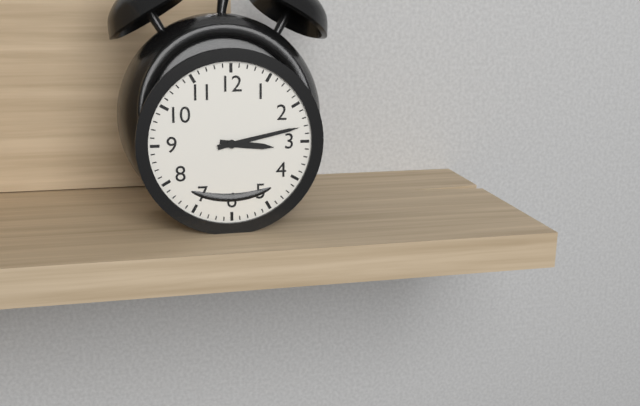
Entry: 3h13
